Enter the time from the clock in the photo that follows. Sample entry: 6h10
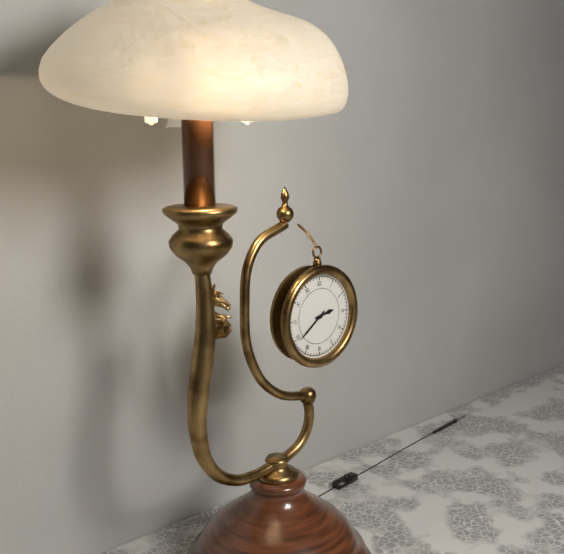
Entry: 2h39
